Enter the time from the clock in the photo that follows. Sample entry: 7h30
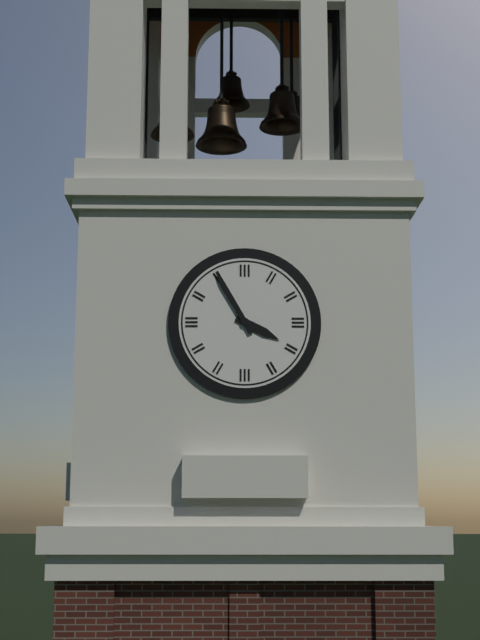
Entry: 3h55
